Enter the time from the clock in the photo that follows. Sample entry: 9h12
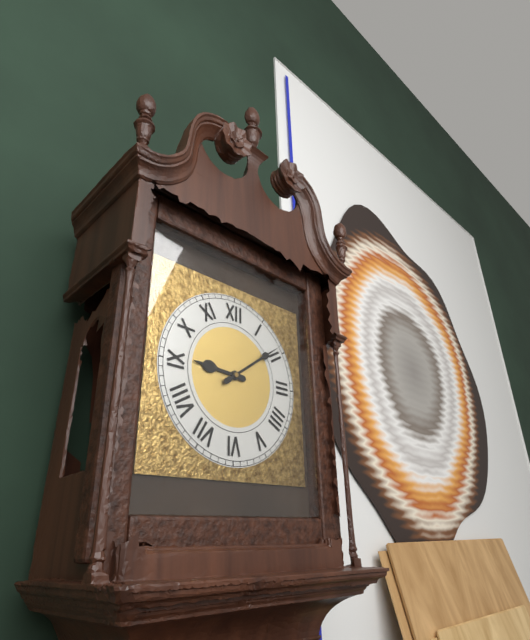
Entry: 9h09
